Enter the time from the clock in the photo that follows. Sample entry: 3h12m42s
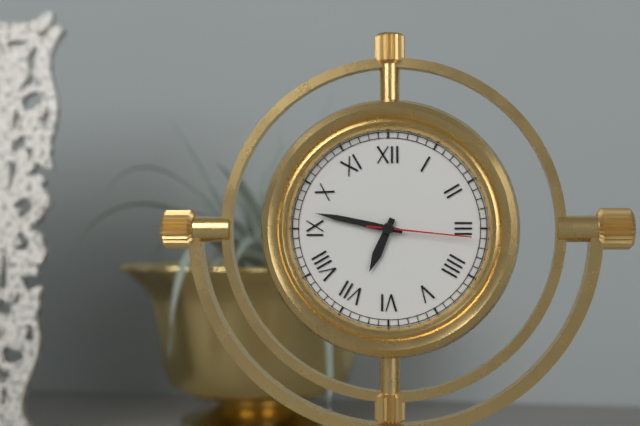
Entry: 6h47m16s
